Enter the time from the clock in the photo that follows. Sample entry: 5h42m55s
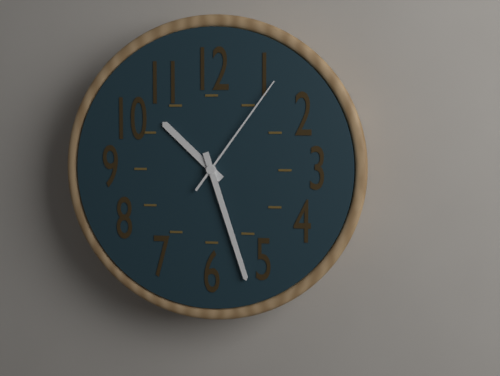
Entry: 10h27m06s
